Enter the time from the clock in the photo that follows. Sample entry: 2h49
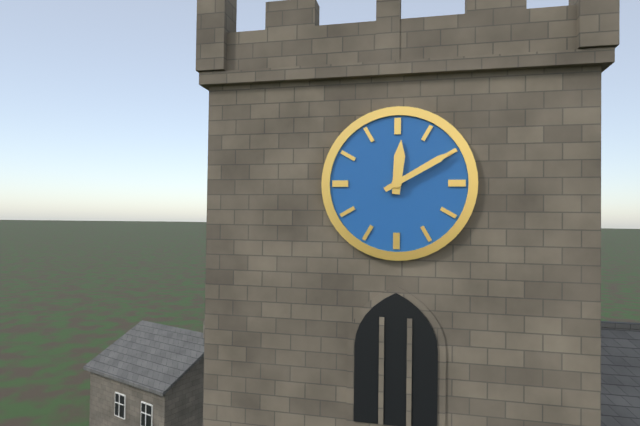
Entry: 12h10
